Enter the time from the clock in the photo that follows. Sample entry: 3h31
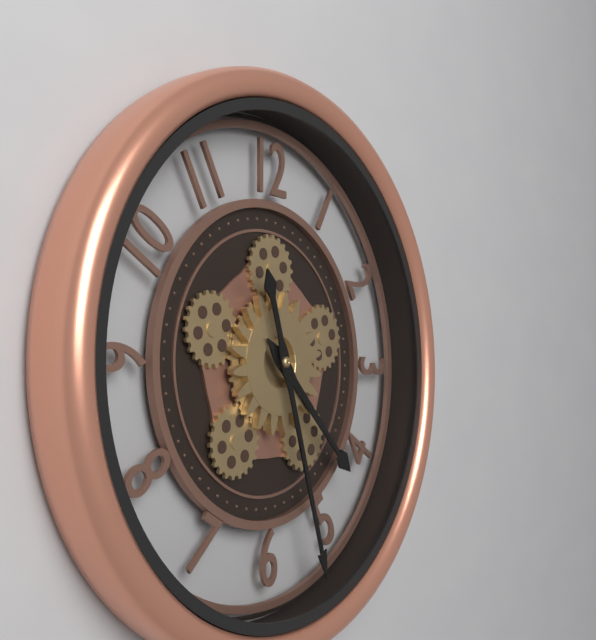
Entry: 4h27
